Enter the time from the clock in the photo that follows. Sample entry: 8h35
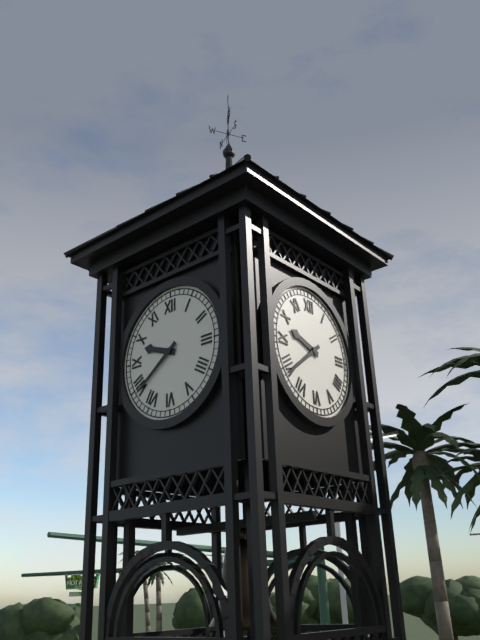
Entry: 9h39
